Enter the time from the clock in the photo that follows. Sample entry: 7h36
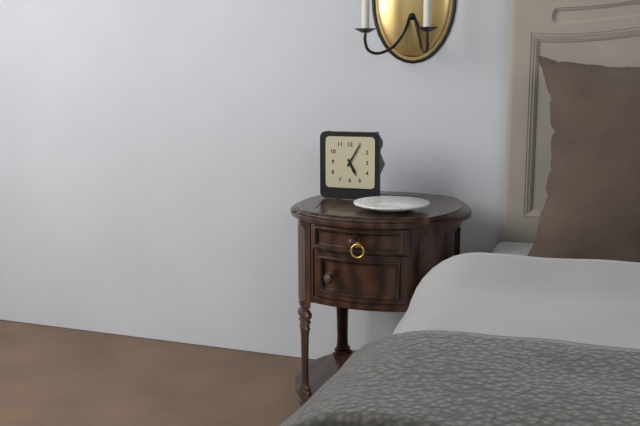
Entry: 5h05
